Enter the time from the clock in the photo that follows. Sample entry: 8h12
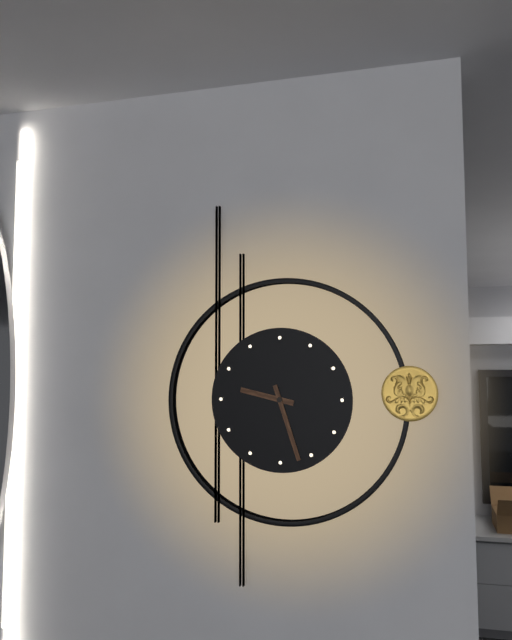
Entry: 9h27
